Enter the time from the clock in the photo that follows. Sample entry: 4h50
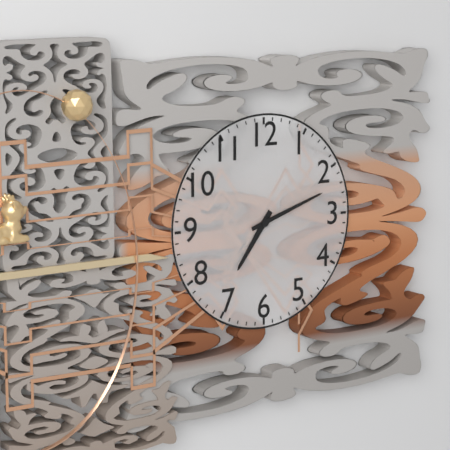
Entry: 7h12
